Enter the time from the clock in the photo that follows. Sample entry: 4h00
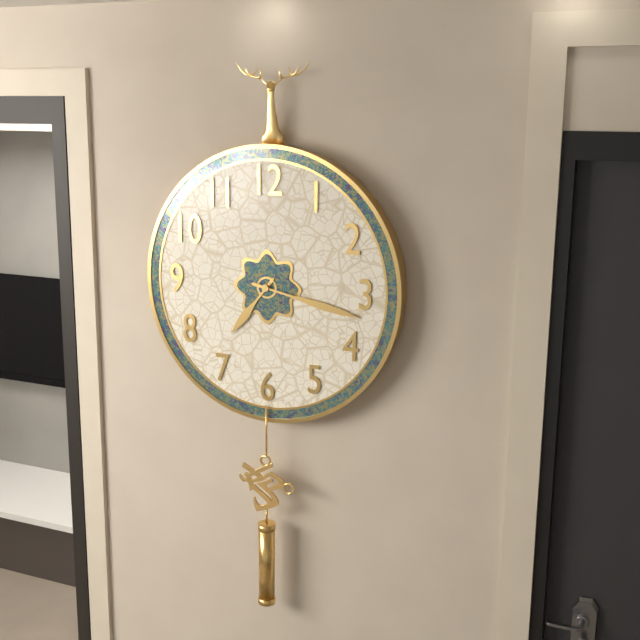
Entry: 7h17
